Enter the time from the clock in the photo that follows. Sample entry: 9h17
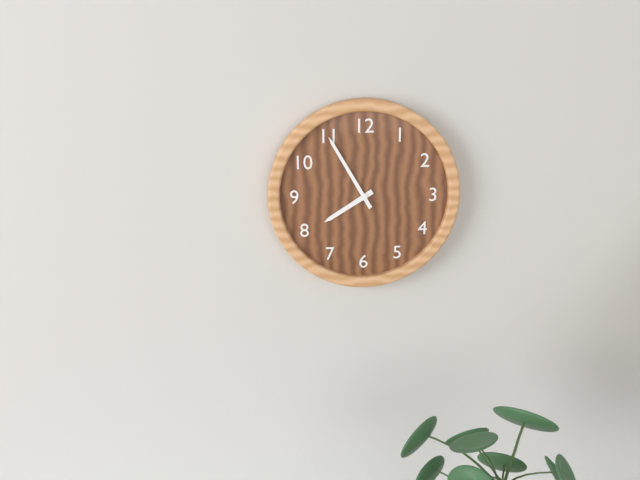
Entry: 7h55
